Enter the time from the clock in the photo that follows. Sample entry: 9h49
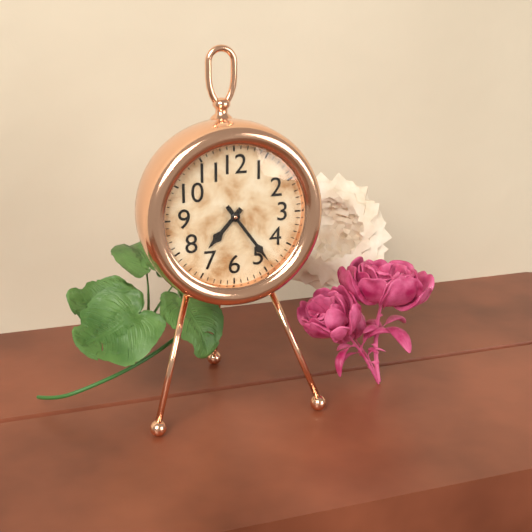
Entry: 7h24
